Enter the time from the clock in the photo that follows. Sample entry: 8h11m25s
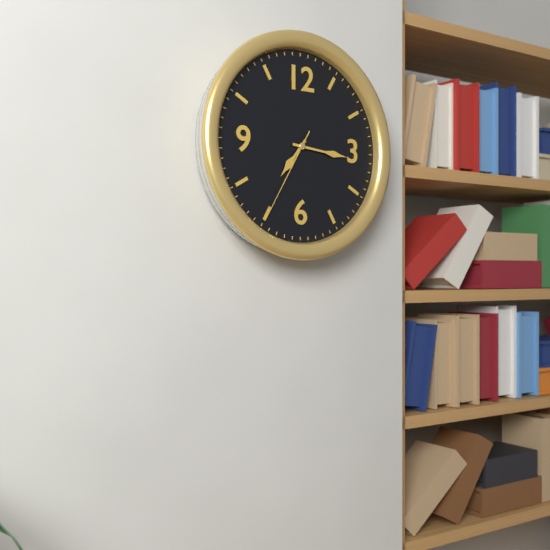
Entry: 7h16m35s
